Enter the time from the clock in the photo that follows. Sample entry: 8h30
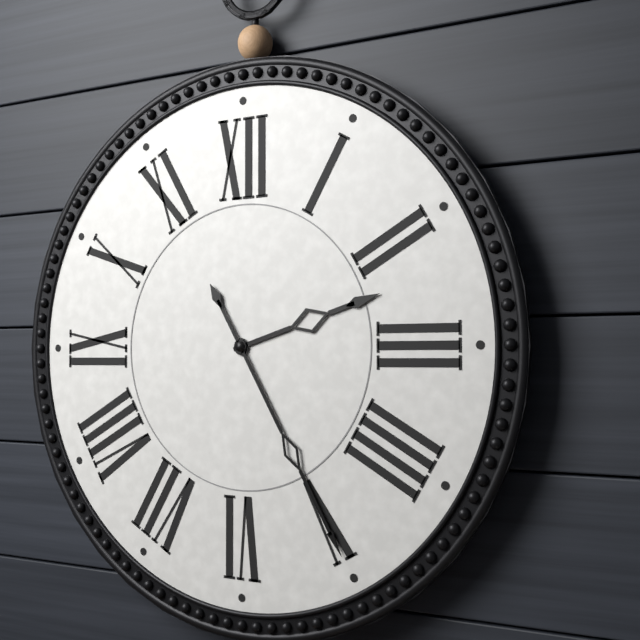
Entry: 2h25
